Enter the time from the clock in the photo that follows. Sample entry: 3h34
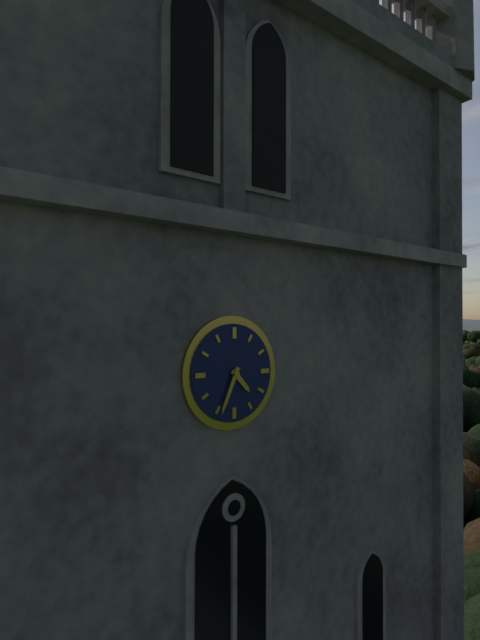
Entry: 4h34
